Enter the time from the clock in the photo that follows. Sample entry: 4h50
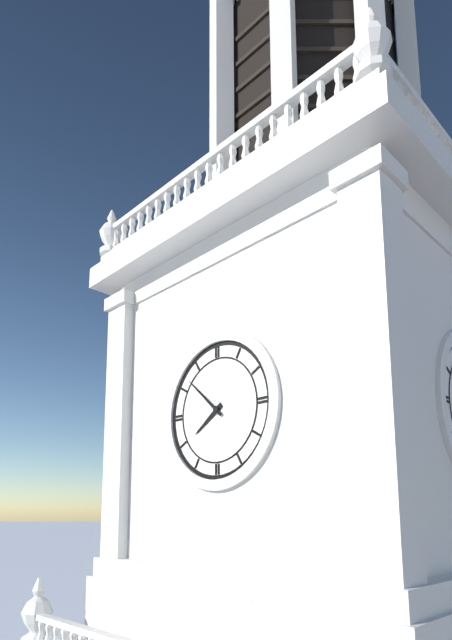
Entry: 7h52
